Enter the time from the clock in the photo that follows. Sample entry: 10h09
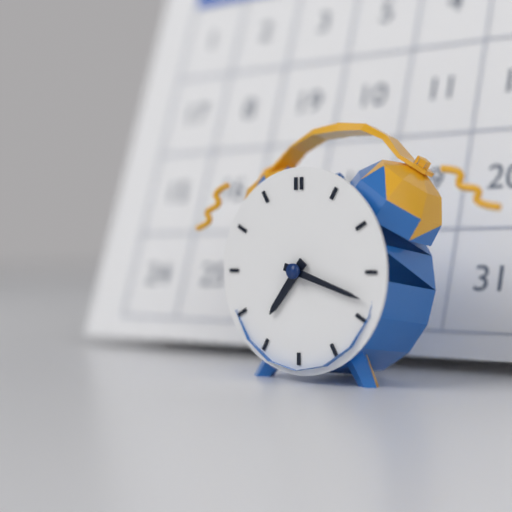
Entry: 7h18
